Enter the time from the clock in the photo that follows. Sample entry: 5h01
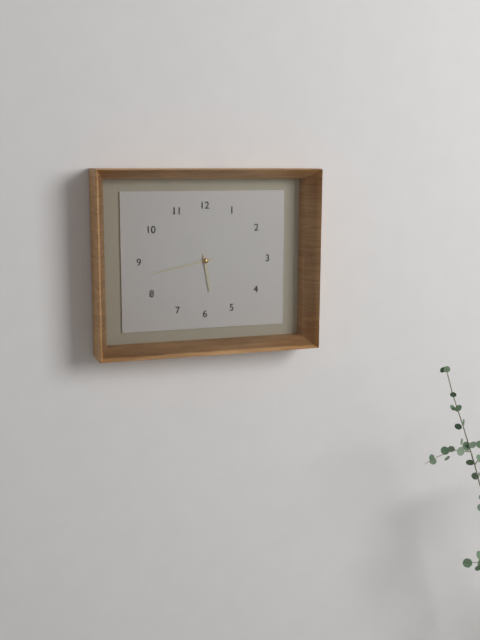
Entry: 5h43
